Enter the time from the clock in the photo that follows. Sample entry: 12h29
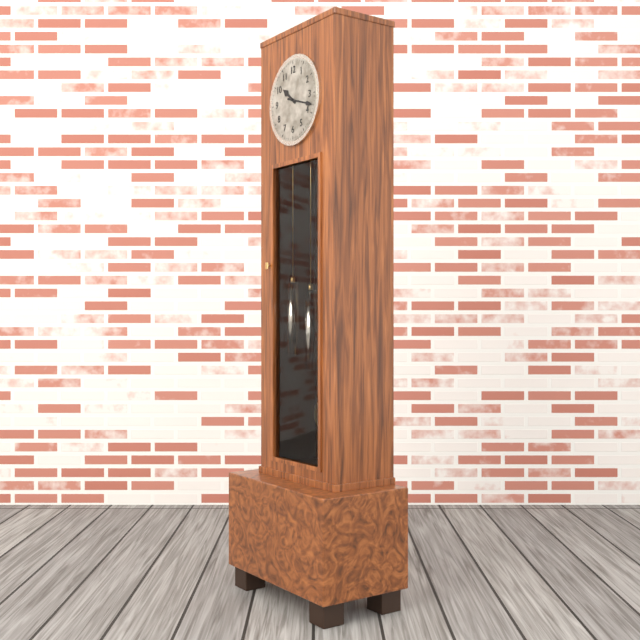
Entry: 10h18
